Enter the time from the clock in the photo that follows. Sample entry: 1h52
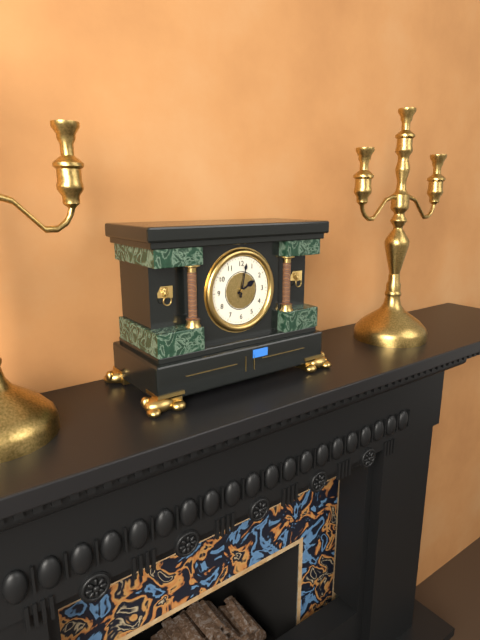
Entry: 2h02
